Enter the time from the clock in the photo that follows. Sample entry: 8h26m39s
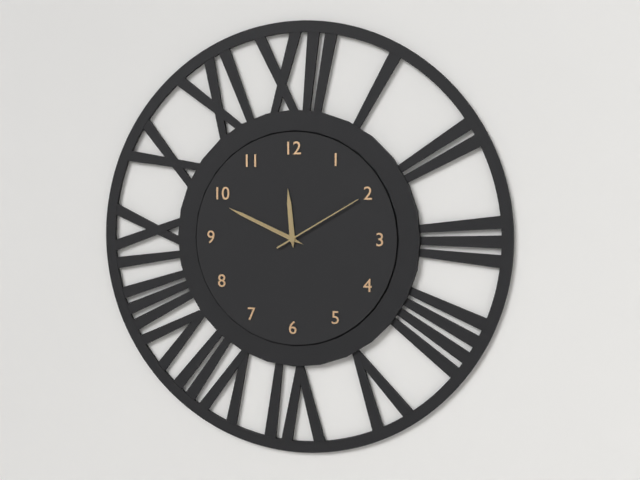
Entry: 11h49m10s
